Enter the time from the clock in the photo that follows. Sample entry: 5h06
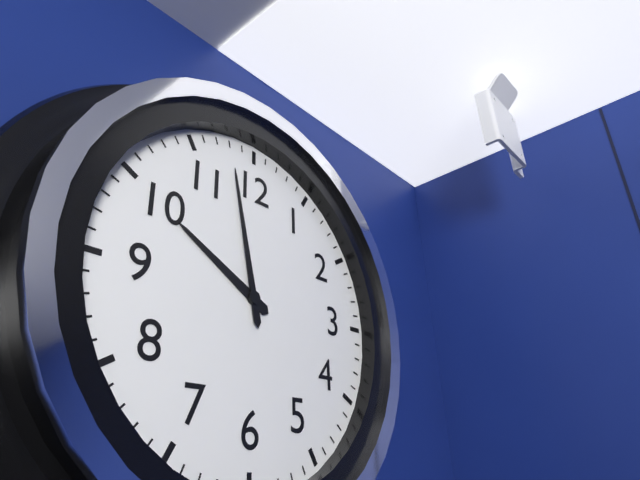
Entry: 9h58
